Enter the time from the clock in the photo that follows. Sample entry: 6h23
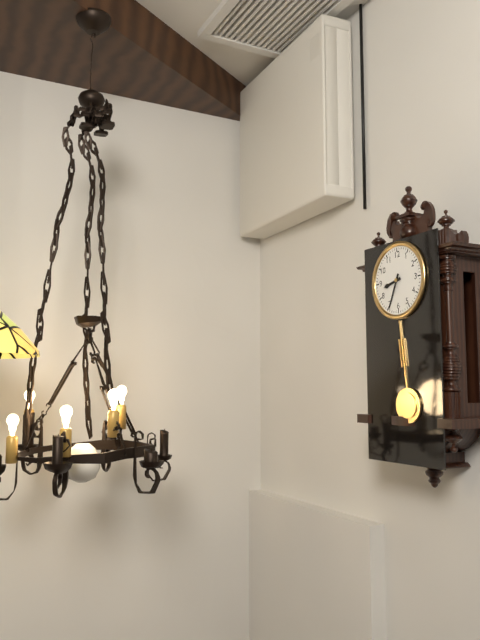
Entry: 8h34
